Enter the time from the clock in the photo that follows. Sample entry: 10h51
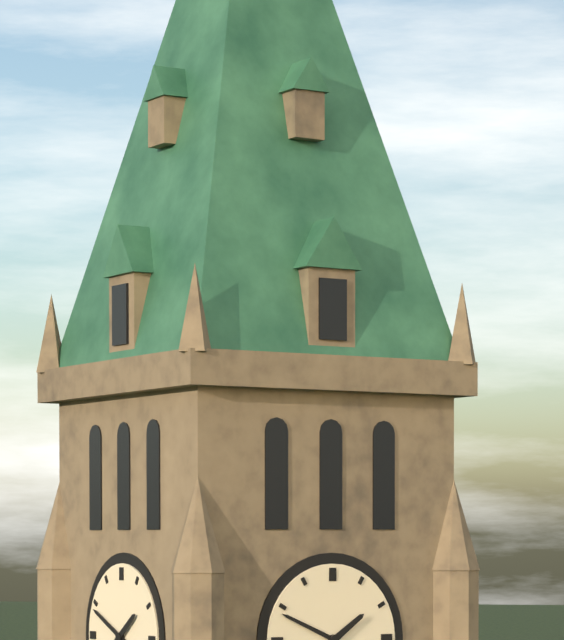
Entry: 1h49
